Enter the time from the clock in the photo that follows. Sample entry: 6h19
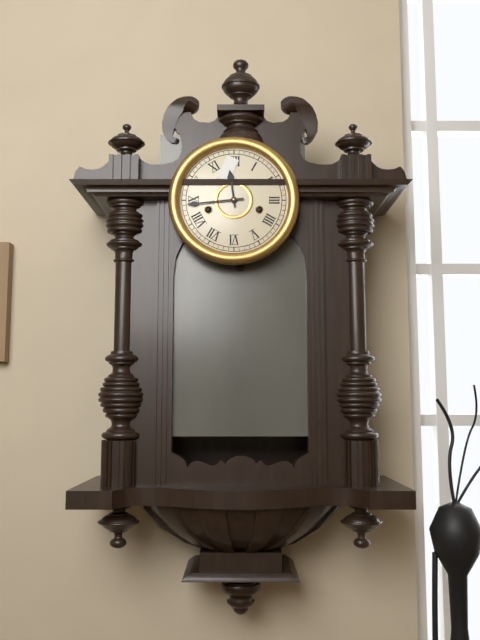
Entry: 11h44
